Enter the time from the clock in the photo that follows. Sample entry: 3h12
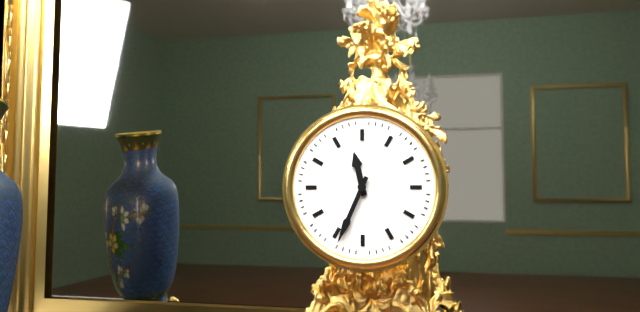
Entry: 11h34
